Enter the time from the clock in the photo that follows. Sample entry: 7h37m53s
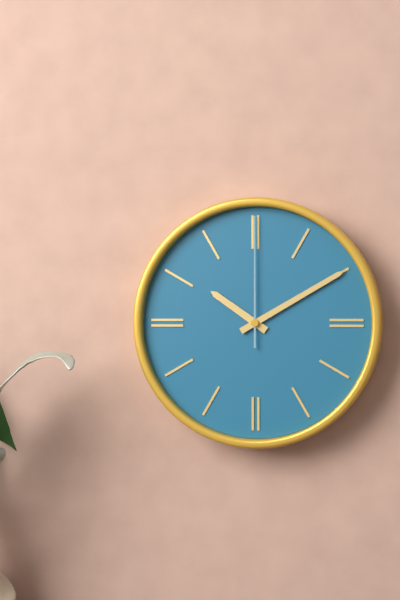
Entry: 10h10m00s
